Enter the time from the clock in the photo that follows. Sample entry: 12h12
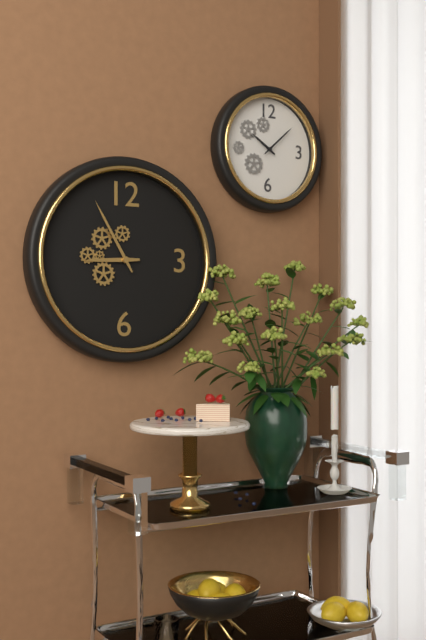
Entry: 8h55
